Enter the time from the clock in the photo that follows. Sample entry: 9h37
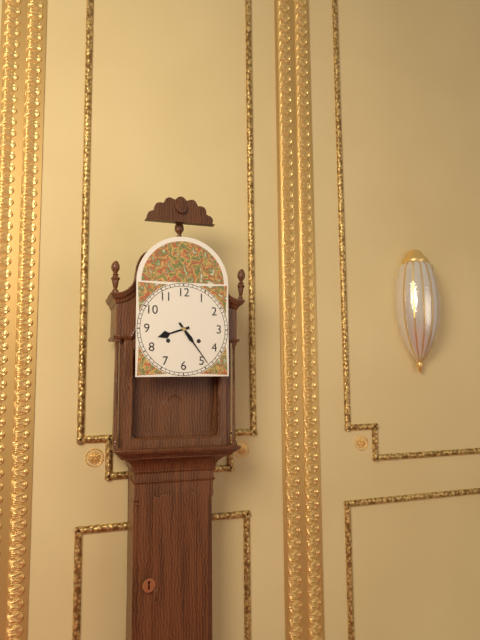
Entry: 8h24
